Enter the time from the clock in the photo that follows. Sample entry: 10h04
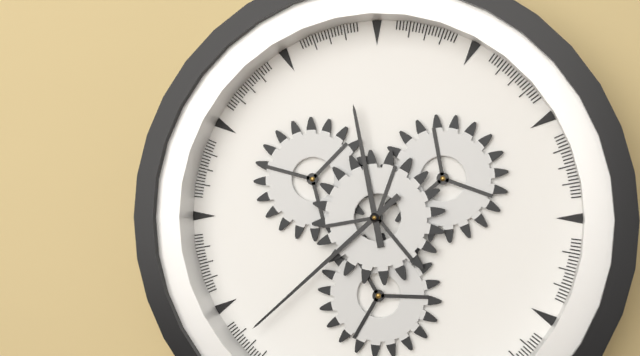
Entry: 11h38
